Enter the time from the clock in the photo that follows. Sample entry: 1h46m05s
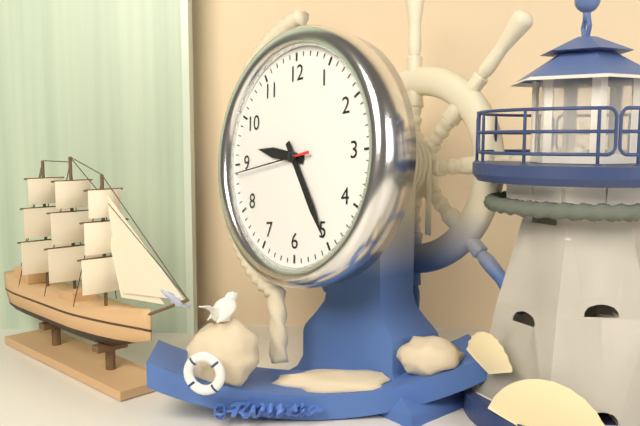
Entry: 9h25m44s
